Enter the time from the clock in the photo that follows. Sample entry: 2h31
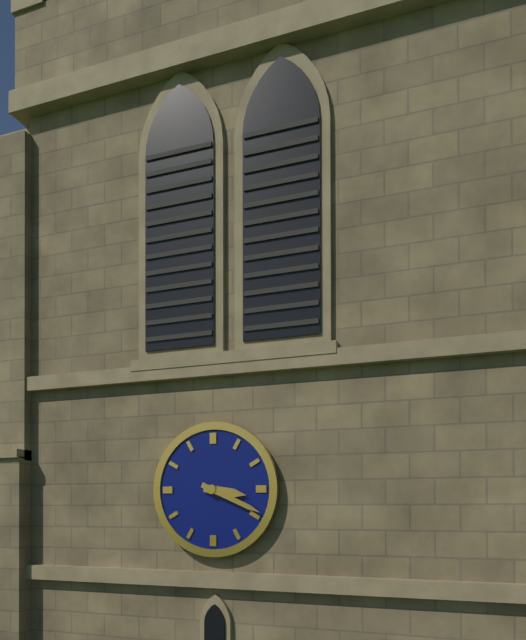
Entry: 3h19
